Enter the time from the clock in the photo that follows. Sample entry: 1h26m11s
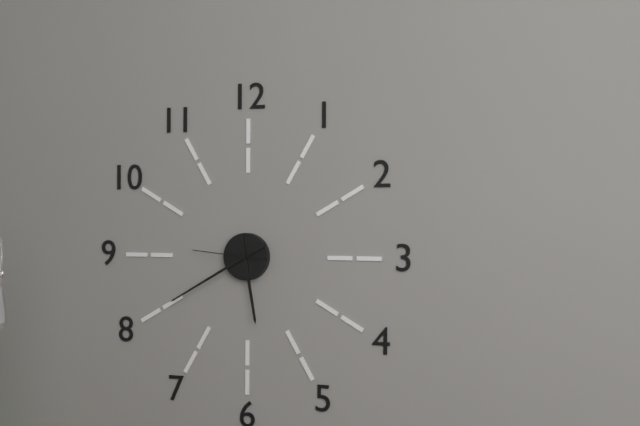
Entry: 5h40m46s
